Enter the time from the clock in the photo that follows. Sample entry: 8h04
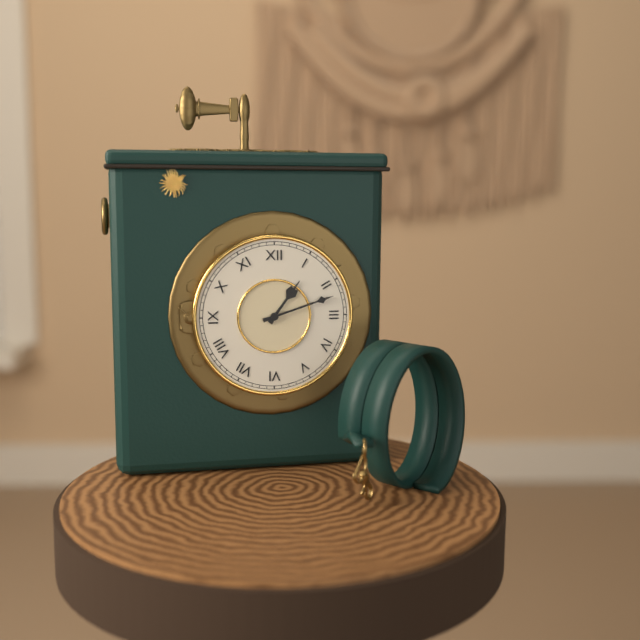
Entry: 1h12
